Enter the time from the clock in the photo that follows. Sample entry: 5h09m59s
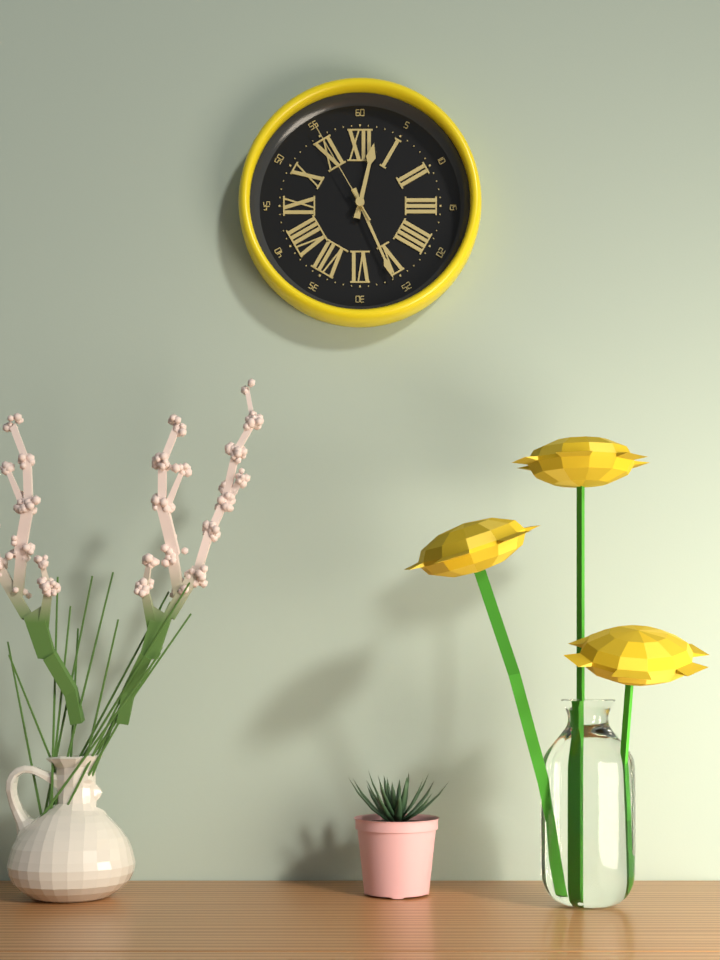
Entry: 12h26m55s
